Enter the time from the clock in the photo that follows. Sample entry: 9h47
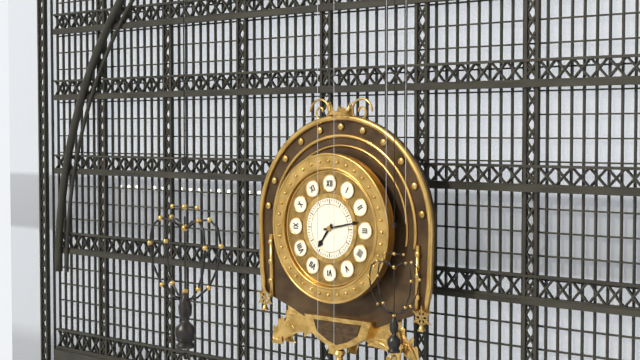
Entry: 7h13
